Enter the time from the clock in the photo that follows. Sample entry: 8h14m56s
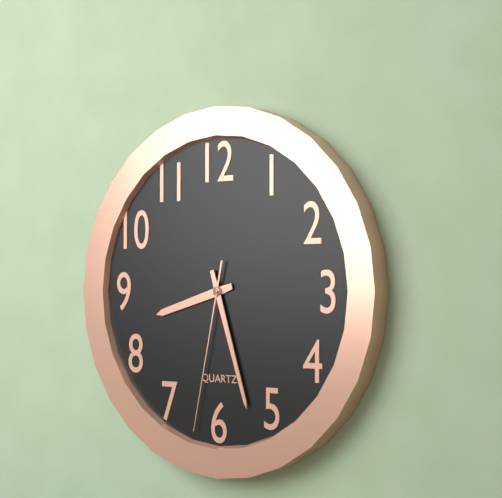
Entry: 8h27m32s
